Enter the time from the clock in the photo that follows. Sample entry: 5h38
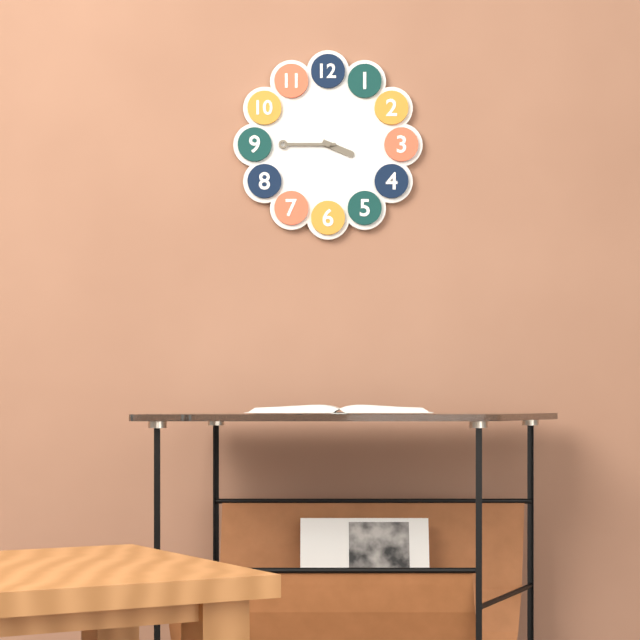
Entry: 3h45
